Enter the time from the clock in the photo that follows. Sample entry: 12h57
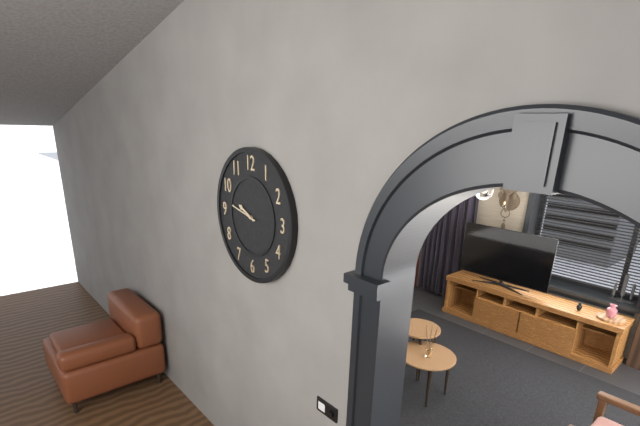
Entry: 9h47
